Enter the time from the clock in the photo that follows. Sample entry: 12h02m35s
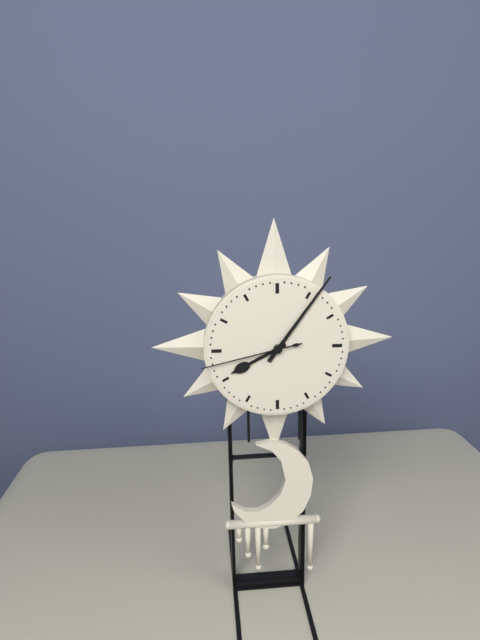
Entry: 8h06m43s
